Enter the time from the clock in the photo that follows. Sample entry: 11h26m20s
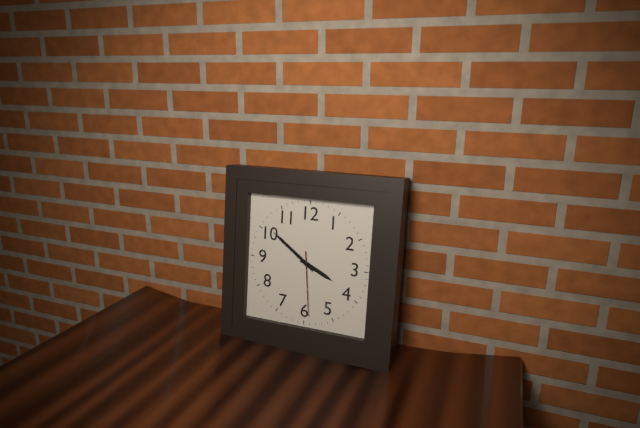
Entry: 3h51m29s
